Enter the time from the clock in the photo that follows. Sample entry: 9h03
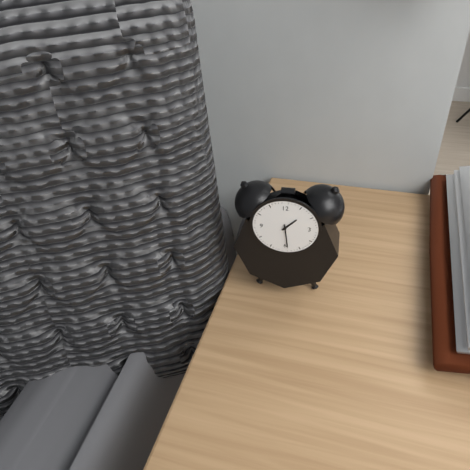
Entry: 1h29
